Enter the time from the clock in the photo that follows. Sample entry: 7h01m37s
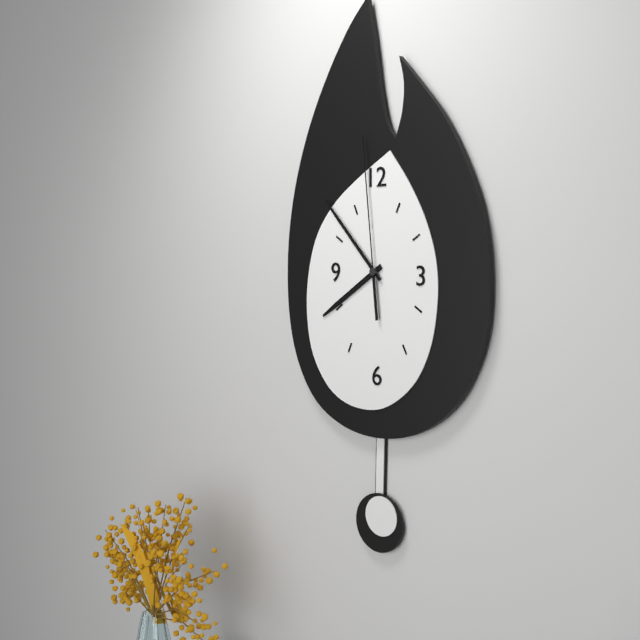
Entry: 7h53m59s
